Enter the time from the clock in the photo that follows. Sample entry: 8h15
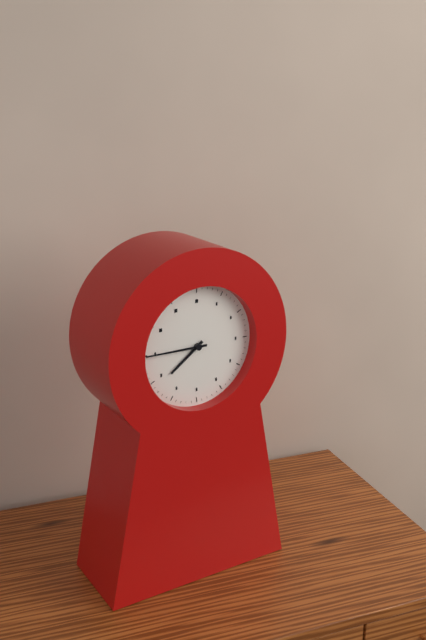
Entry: 7h45
